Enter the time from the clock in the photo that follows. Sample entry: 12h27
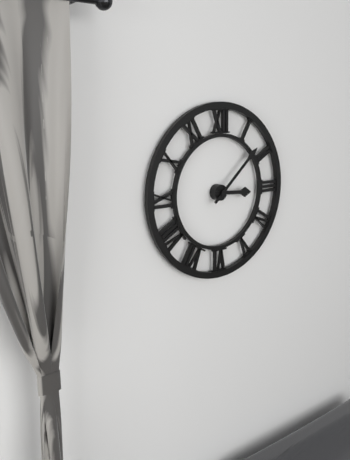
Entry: 3h08
